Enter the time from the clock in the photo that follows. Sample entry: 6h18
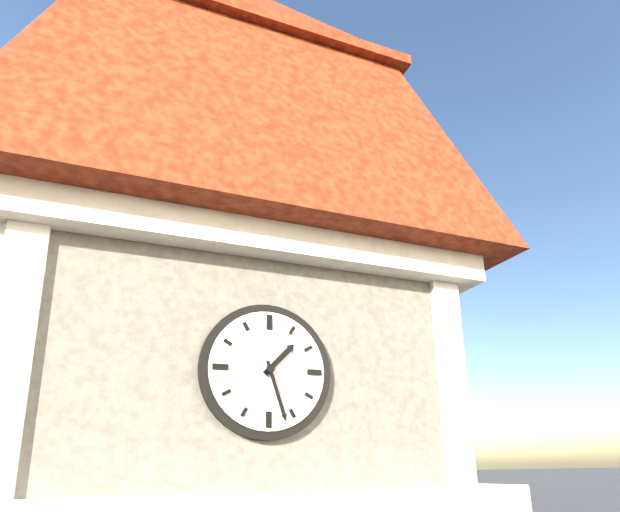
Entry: 1h27
